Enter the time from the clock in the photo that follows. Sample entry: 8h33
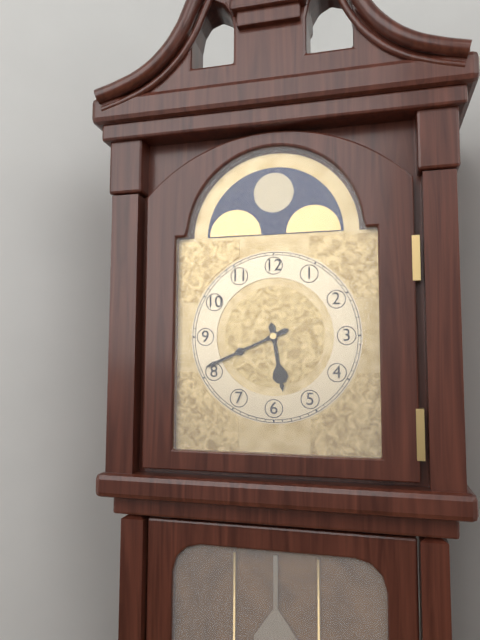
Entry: 5h41
